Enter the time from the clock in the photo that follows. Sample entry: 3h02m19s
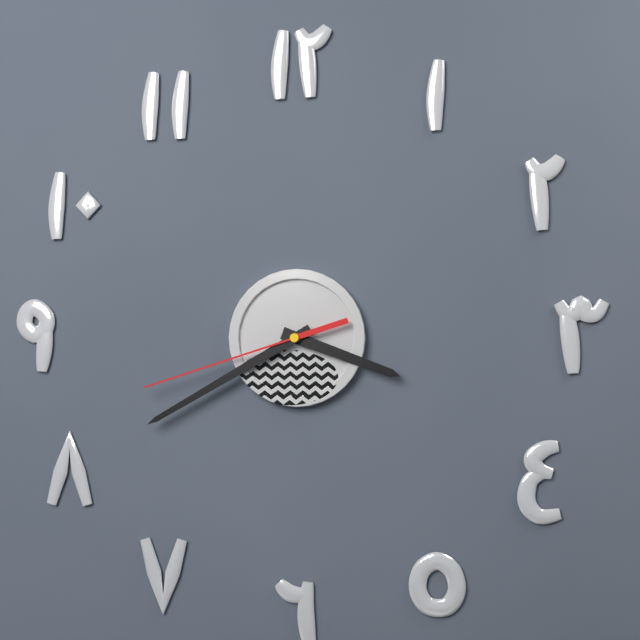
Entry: 3h40m42s
